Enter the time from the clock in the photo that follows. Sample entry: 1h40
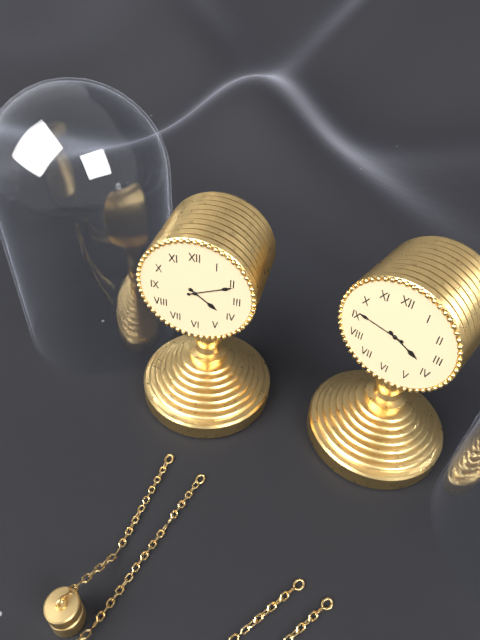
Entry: 4h11
